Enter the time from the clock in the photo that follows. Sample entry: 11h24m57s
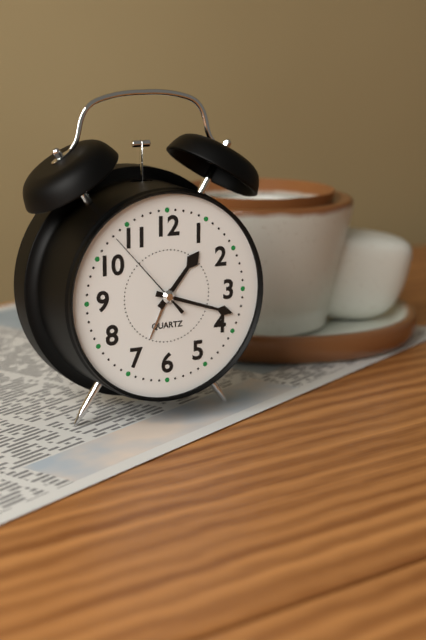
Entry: 1h18m53s
